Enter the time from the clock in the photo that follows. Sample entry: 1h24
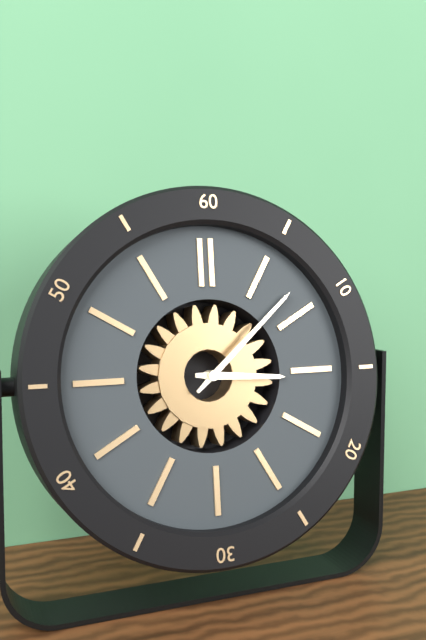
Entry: 3h08
